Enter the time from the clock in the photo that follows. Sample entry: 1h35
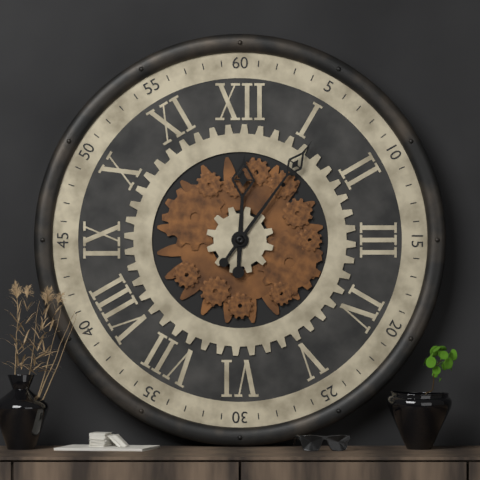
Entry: 12h06
